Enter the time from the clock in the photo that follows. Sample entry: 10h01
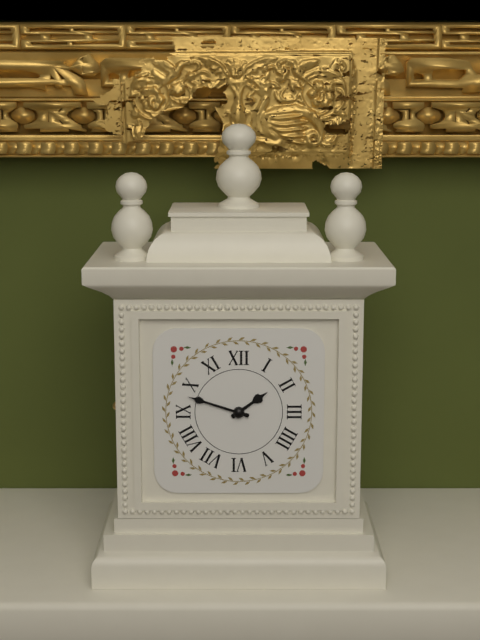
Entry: 1h48
